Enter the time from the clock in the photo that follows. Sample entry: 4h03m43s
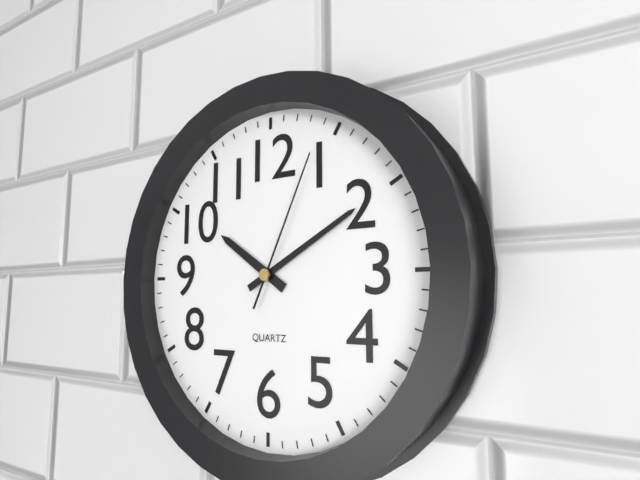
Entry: 10h10m04s
